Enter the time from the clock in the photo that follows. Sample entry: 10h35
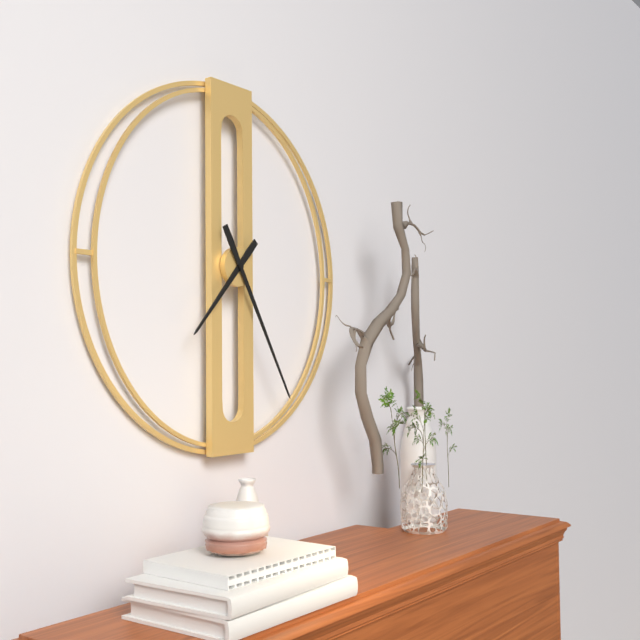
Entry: 7h25
